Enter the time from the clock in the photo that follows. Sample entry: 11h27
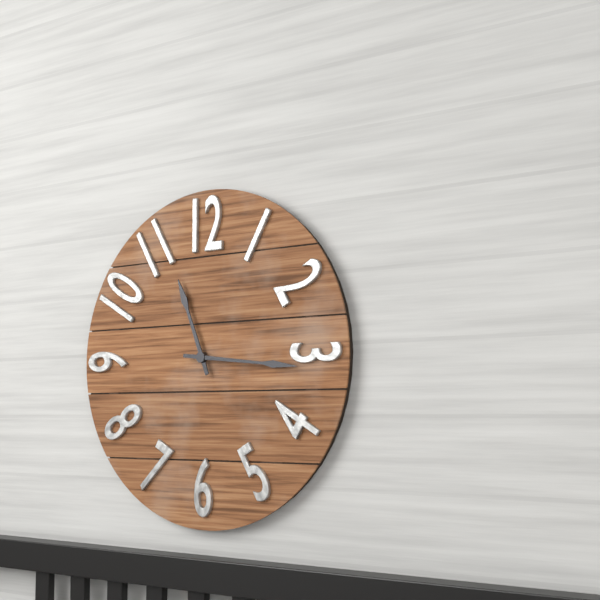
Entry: 11h16
